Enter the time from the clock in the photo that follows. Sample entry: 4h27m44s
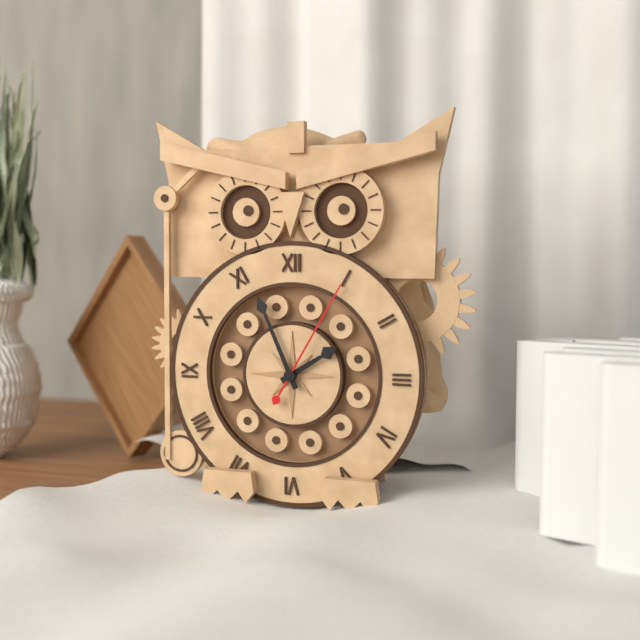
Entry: 1h56m05s
